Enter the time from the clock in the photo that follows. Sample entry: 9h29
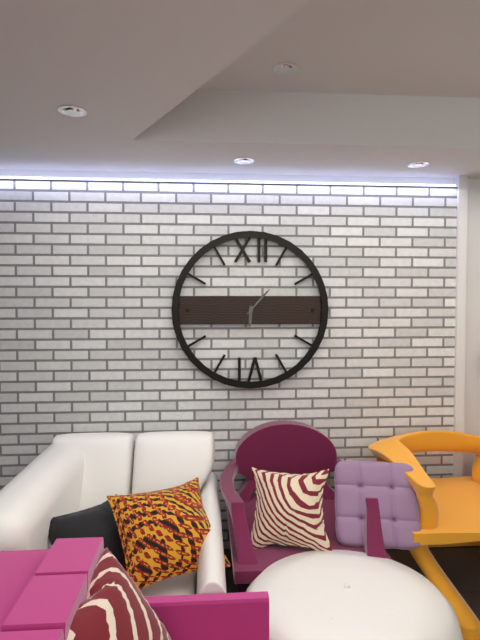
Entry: 6h07
